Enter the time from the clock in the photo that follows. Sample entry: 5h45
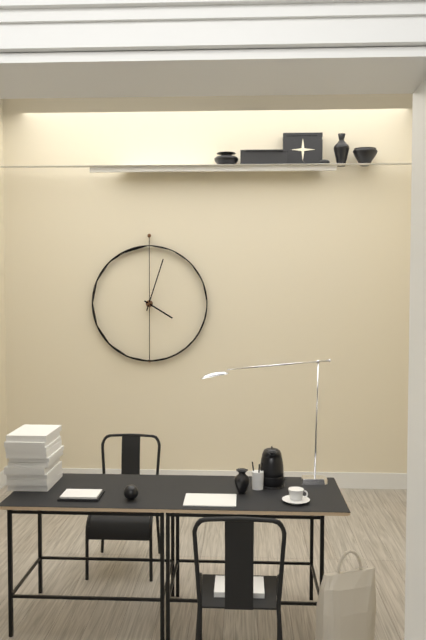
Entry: 4h03
